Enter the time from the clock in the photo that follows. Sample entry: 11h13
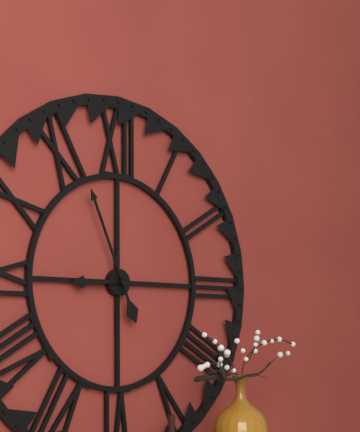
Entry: 8h56
